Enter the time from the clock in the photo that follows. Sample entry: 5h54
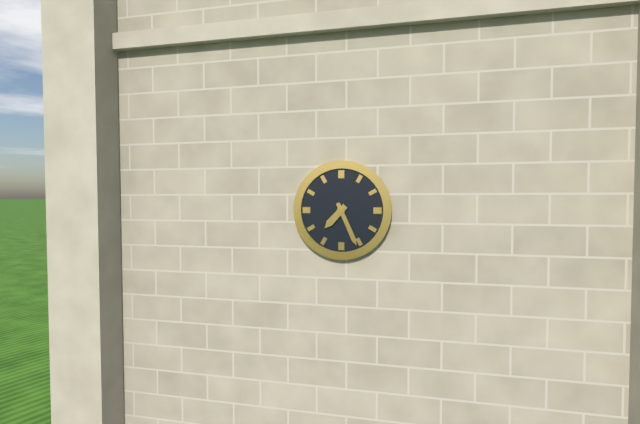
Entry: 7h26
